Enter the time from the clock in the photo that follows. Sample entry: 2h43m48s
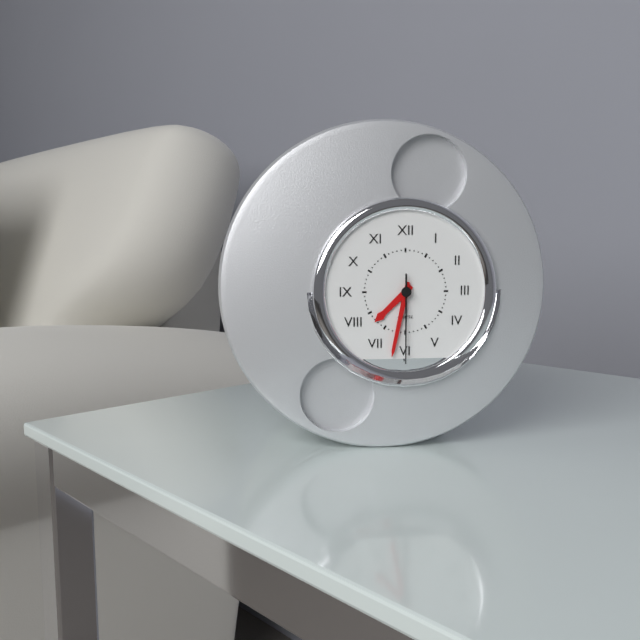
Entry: 7h32m30s
